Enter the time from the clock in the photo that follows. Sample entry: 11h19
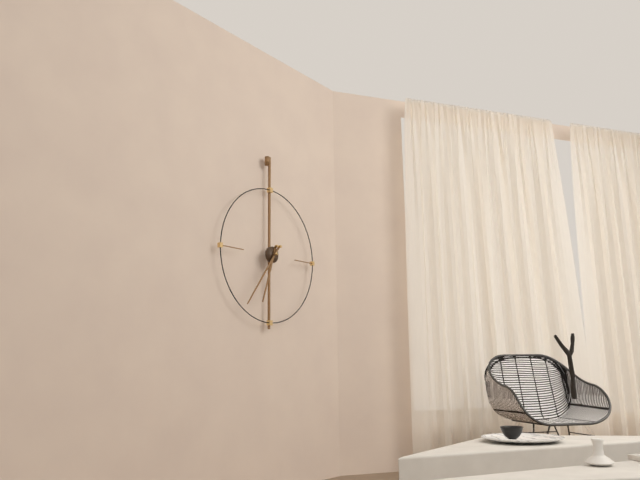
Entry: 6h36
